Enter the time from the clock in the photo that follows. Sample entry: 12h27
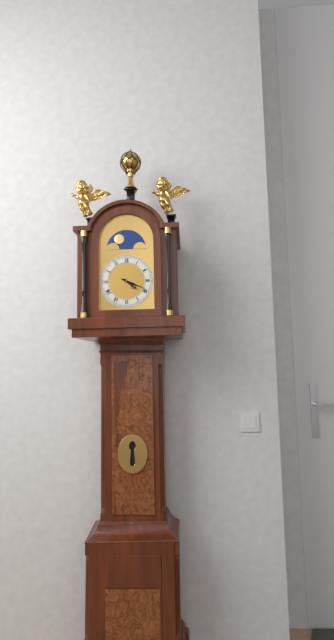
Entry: 4h19
